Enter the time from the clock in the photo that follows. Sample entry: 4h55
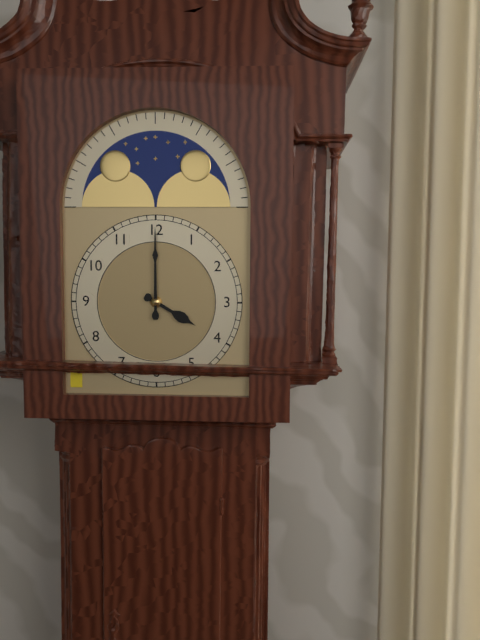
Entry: 4h00
